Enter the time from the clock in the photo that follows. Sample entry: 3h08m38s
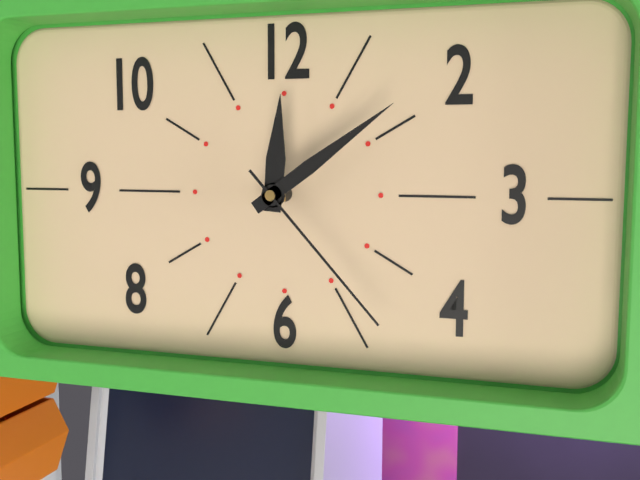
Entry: 12h09m23s
